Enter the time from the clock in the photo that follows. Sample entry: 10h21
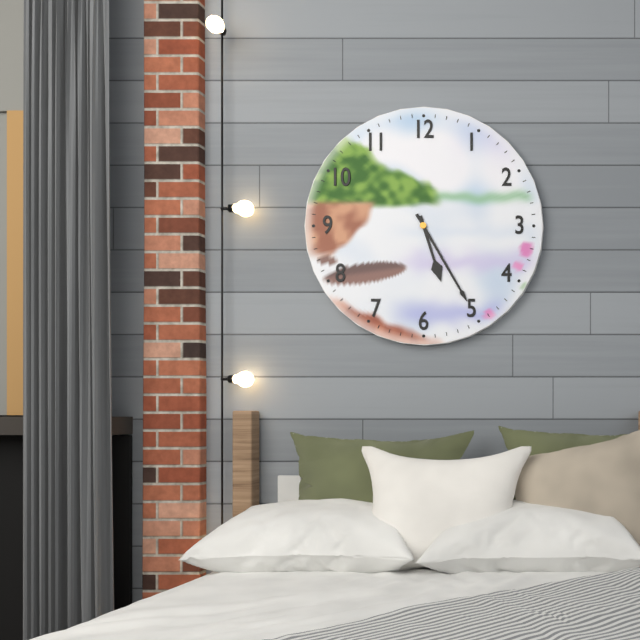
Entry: 5h25
